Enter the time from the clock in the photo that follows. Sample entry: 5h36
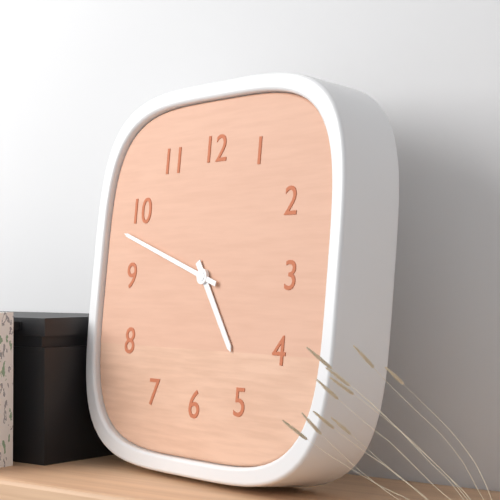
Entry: 4h48
